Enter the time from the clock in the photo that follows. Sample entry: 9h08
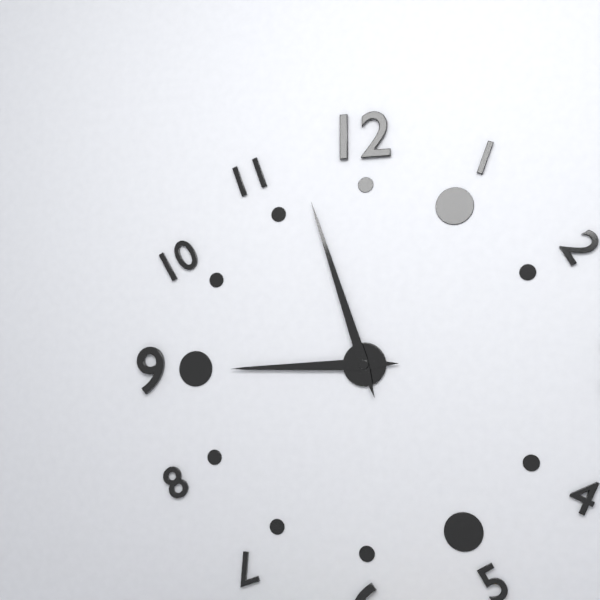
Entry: 8h57
